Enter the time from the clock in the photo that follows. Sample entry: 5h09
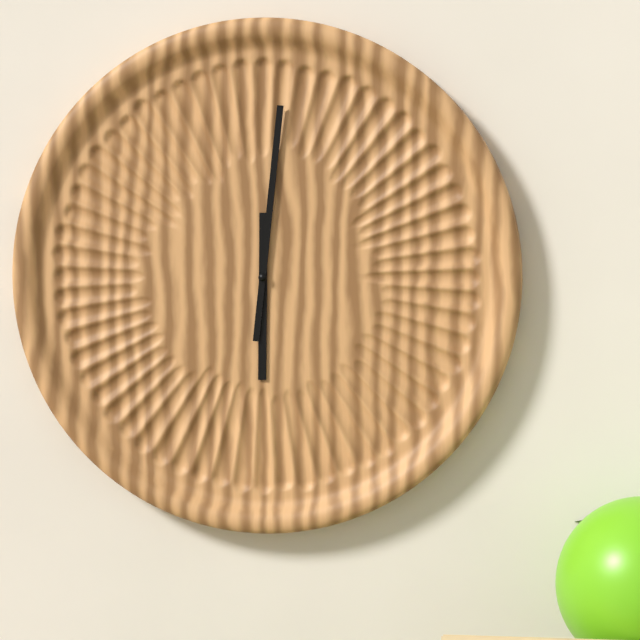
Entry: 6h01
